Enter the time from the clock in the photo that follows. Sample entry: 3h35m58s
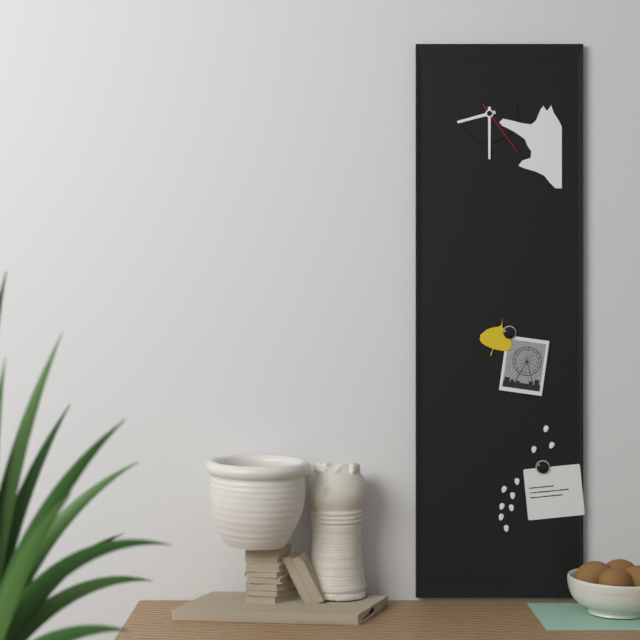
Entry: 8h30m24s
